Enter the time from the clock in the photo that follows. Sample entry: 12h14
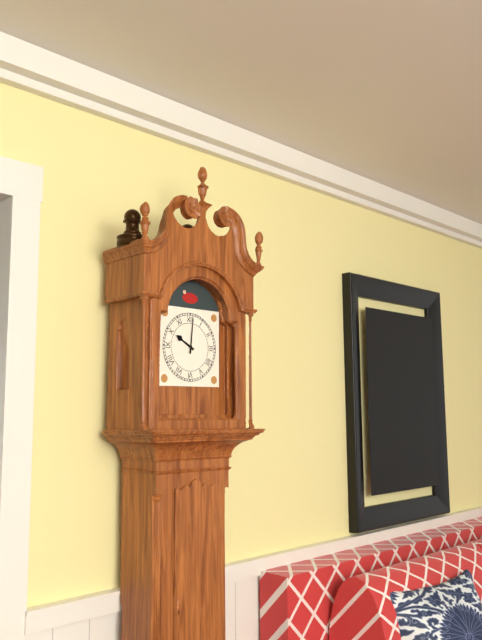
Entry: 10h01
